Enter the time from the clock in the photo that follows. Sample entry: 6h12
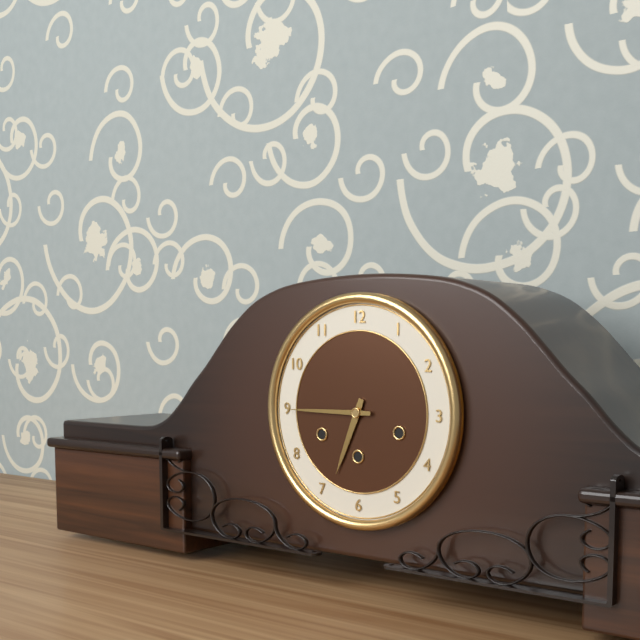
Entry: 6h45
